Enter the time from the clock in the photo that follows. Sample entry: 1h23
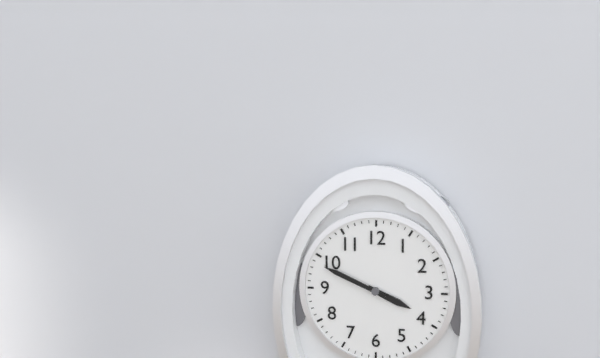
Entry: 3h49
